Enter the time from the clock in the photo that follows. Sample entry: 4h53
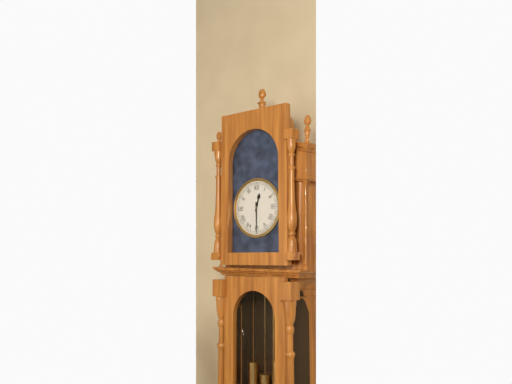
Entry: 12h30
